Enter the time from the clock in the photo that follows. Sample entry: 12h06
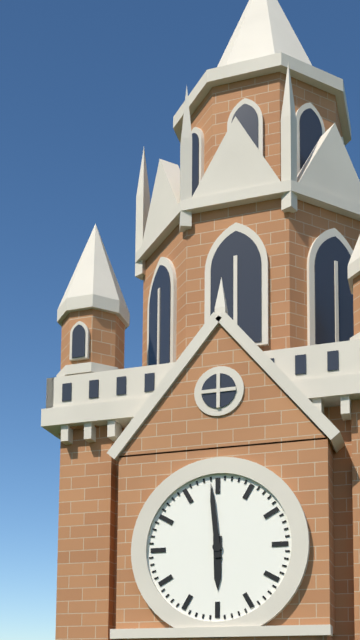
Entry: 5h59
